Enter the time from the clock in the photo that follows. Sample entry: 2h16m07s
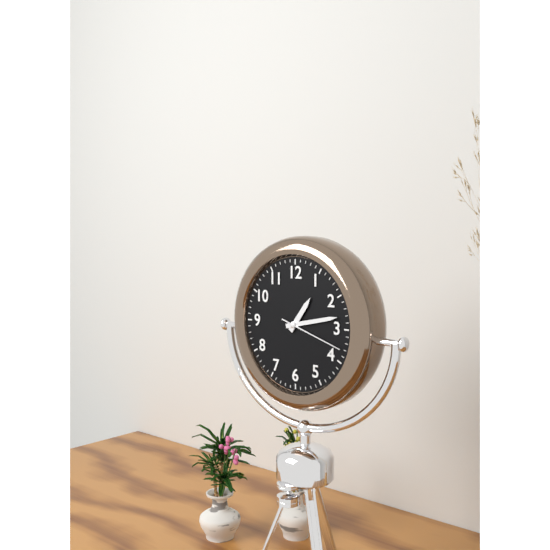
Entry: 1h13m18s
